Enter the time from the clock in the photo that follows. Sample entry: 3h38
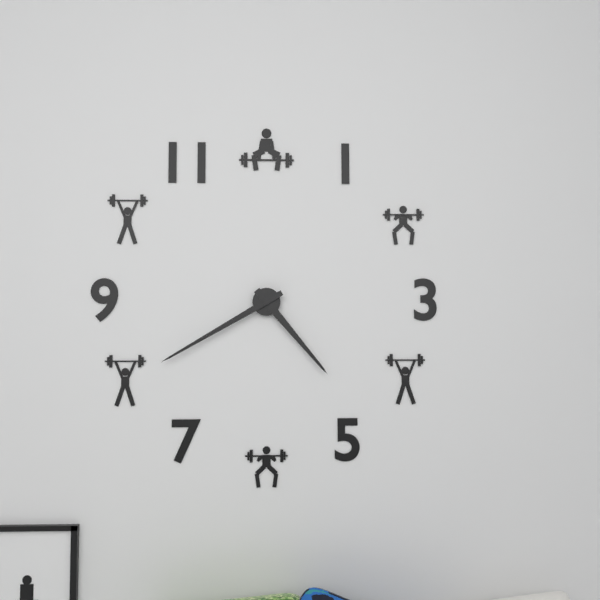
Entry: 4h40
